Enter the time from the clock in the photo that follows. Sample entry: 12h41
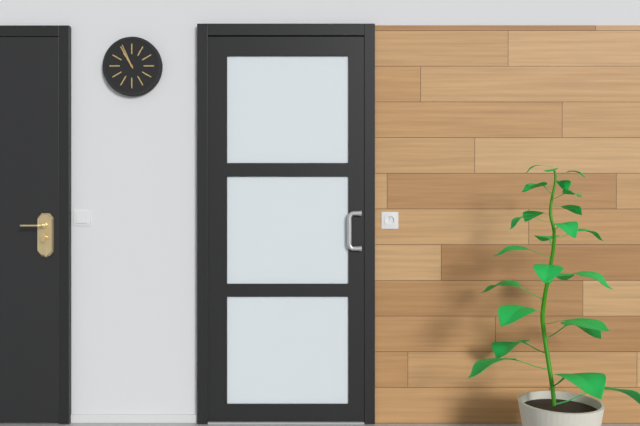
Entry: 10h56
